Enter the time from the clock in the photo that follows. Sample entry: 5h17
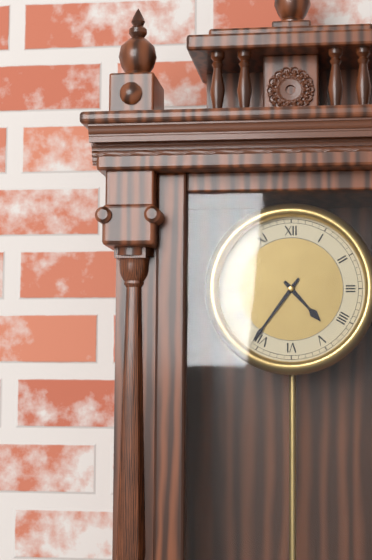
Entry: 4h36
